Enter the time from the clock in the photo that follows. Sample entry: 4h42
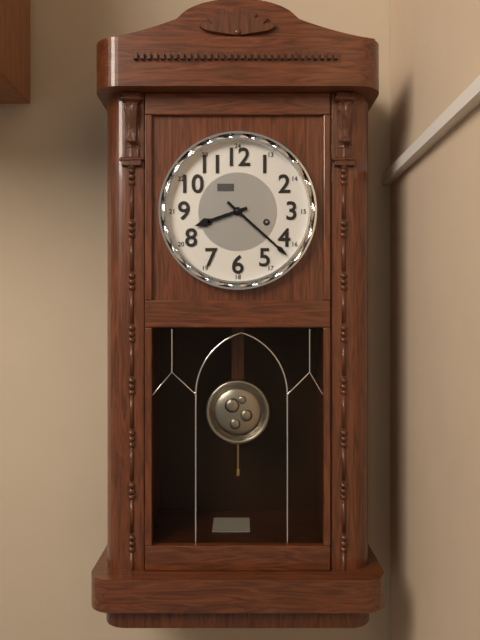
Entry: 8h22
